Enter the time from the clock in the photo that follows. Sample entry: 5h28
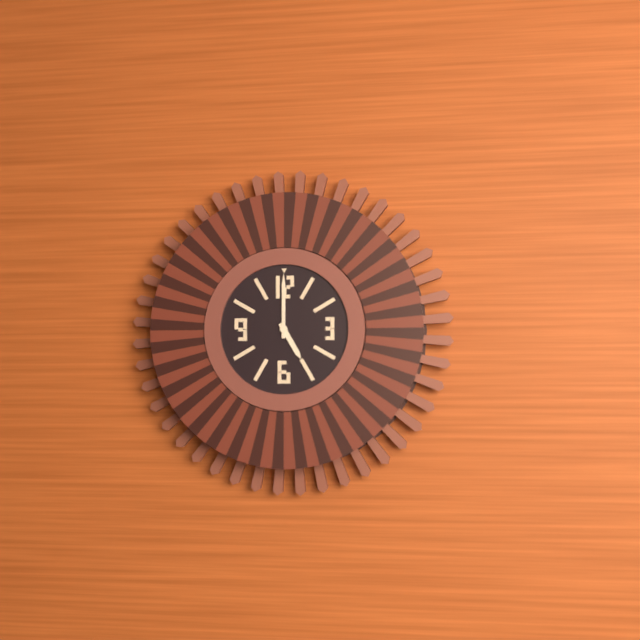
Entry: 5h00
